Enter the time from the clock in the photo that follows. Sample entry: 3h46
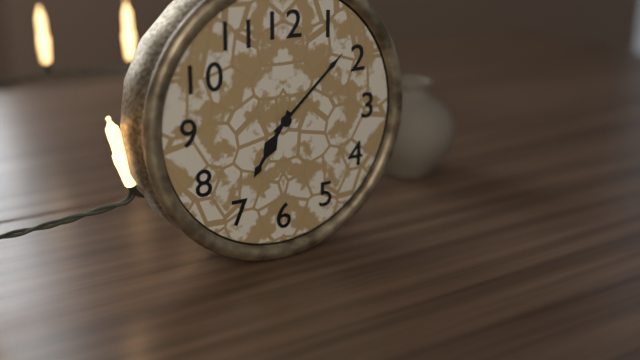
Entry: 7h08
